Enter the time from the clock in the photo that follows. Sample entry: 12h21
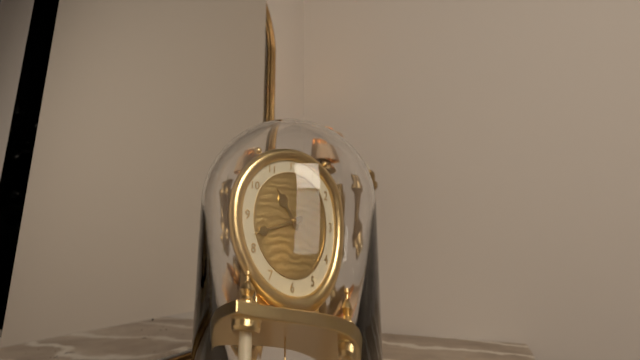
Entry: 10h42
